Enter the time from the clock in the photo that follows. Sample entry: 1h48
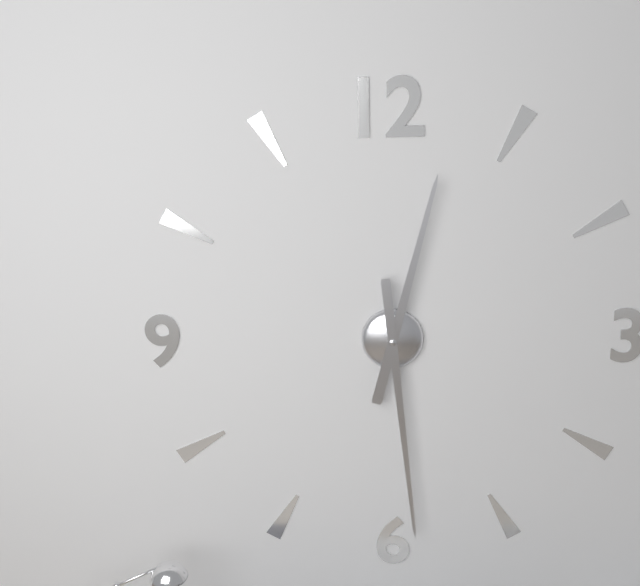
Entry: 12h29
